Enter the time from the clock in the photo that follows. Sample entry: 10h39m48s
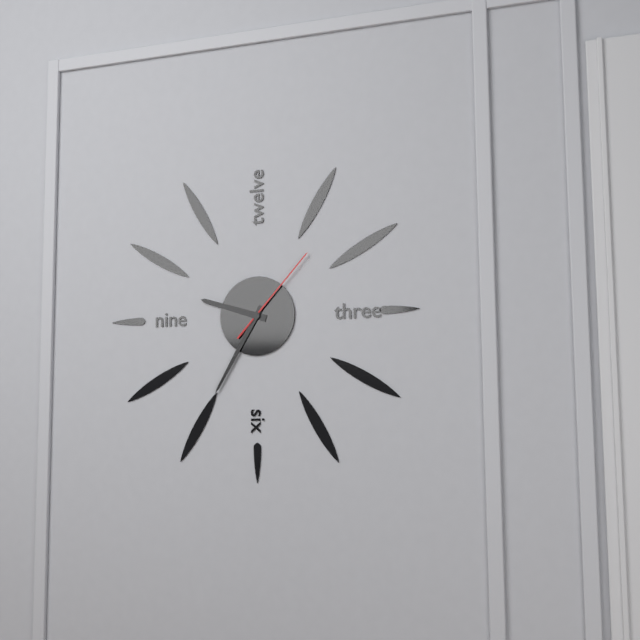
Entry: 9h35m07s
